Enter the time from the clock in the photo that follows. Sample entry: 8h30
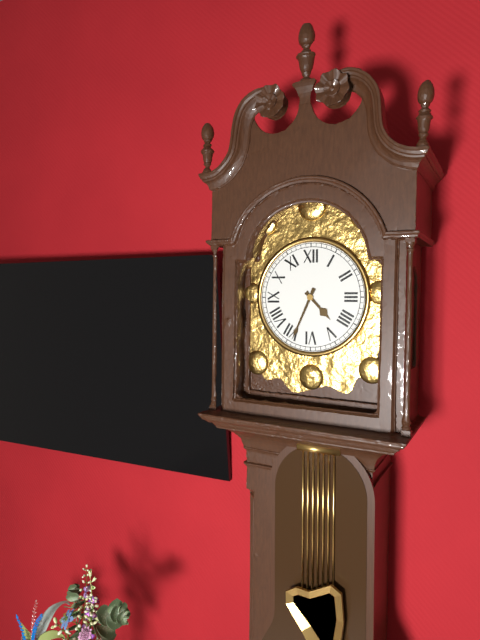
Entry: 4h34
